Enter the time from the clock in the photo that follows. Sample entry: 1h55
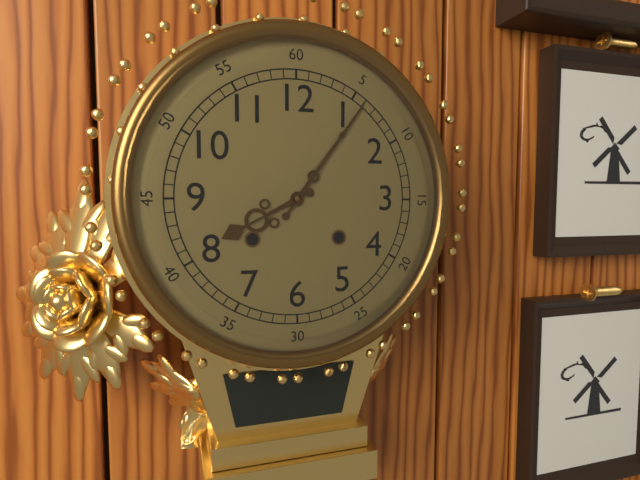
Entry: 8h06
